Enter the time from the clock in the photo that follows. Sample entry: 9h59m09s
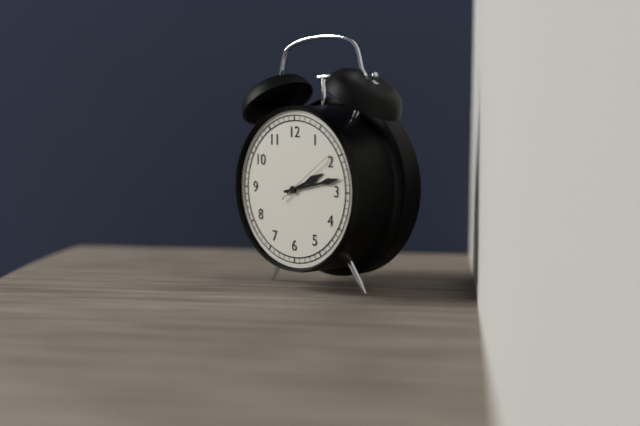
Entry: 2h13m09s
